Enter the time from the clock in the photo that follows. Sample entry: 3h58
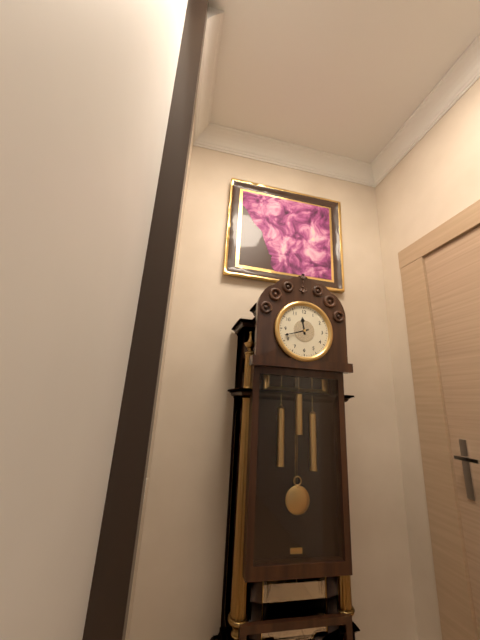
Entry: 11h42
